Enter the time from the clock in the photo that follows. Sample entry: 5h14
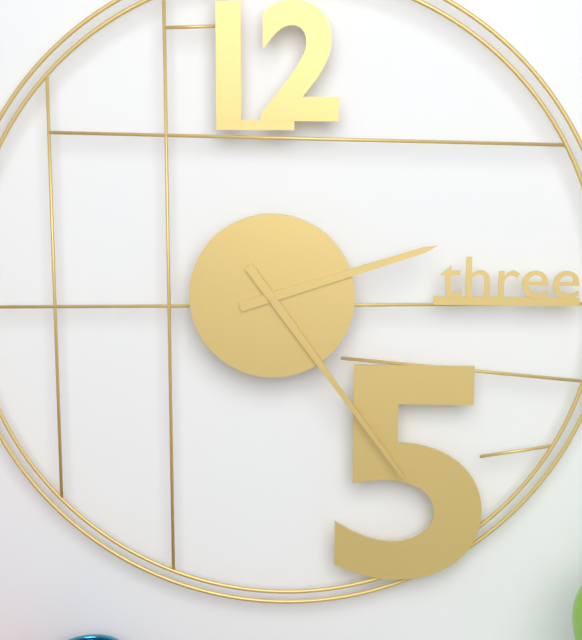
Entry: 2h24
